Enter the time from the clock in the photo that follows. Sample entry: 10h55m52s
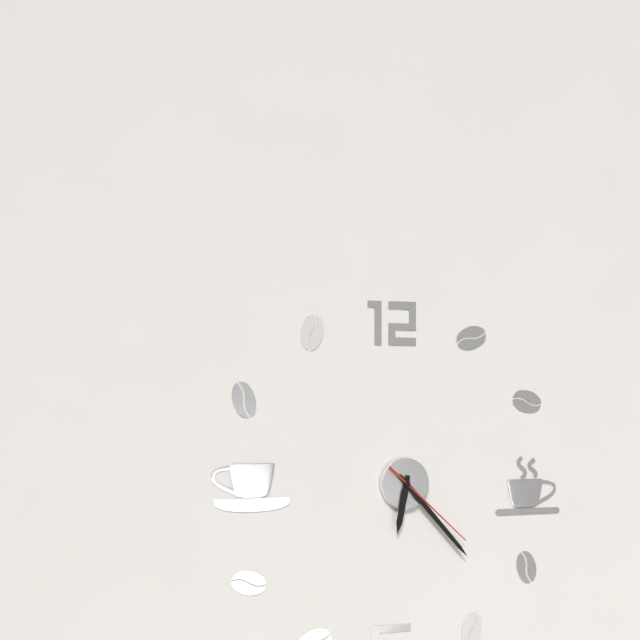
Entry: 6h23m22s
